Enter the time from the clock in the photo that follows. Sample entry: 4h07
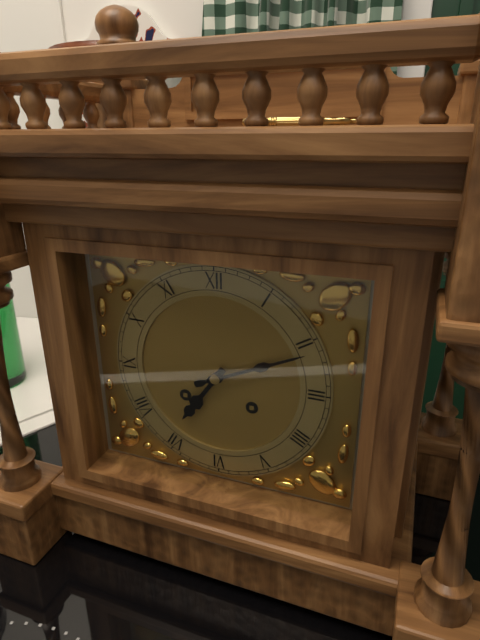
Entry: 7h11
